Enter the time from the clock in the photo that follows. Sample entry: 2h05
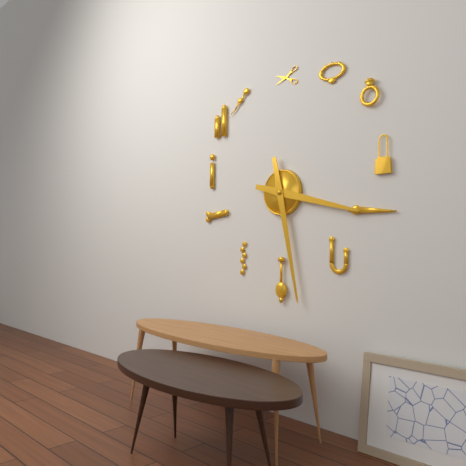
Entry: 3h28
